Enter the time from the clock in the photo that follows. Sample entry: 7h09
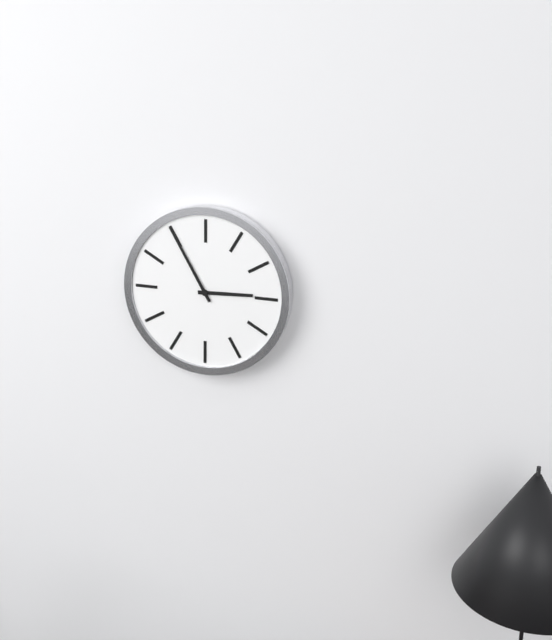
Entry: 2h55
